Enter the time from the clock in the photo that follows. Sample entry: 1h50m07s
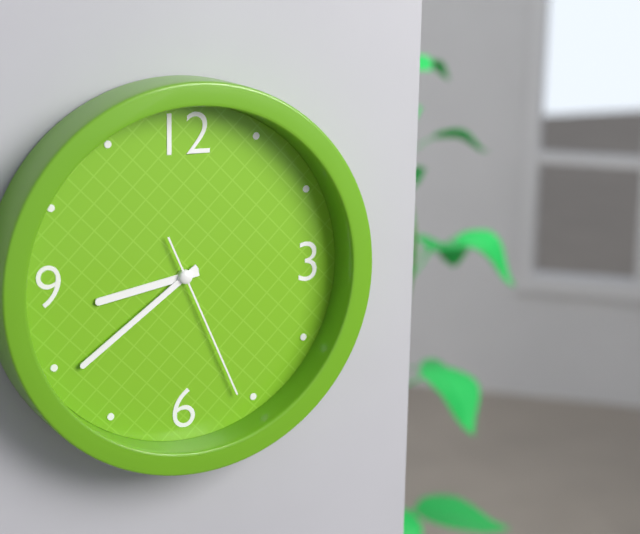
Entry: 8h39m26s
